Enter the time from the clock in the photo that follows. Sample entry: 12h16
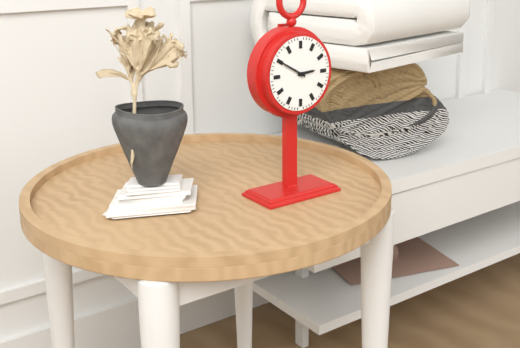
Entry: 2h50
